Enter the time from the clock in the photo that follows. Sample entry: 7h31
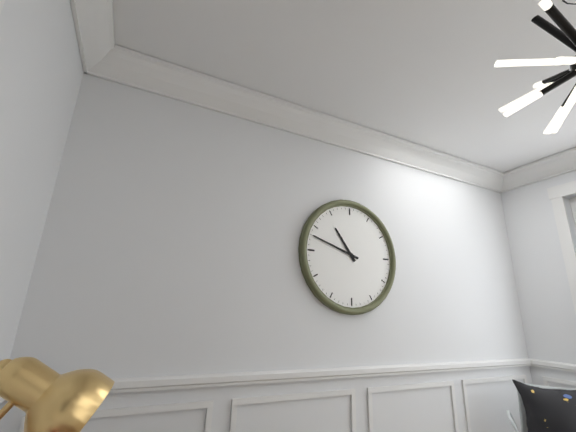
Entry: 10h48
